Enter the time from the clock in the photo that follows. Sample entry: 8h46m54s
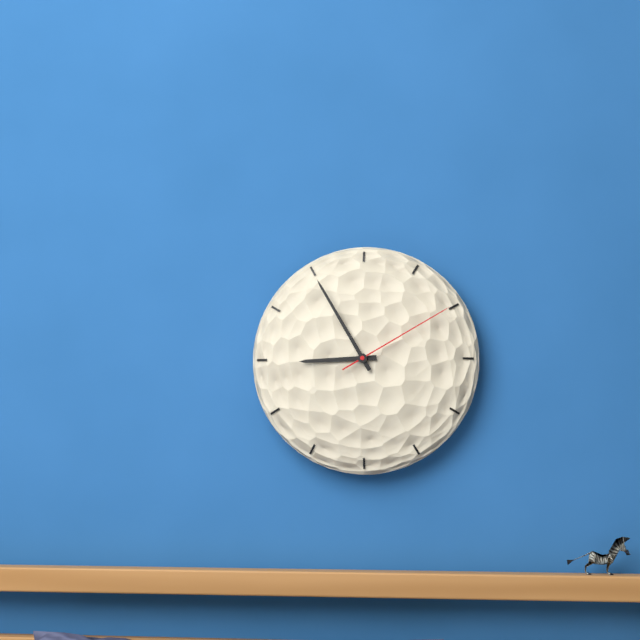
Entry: 8h55m10s
